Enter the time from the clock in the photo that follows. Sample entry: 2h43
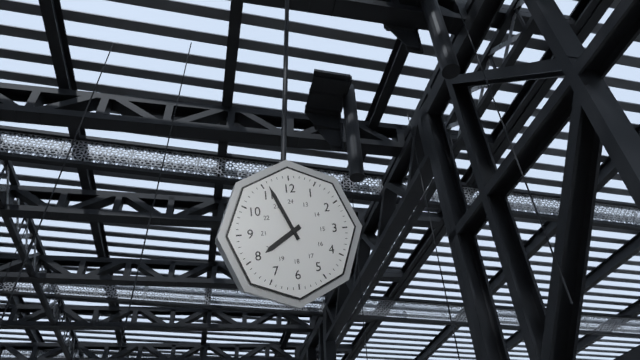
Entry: 7h56
